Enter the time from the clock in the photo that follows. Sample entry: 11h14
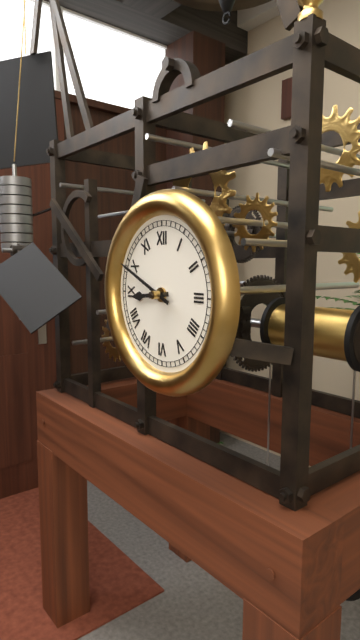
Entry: 8h49
